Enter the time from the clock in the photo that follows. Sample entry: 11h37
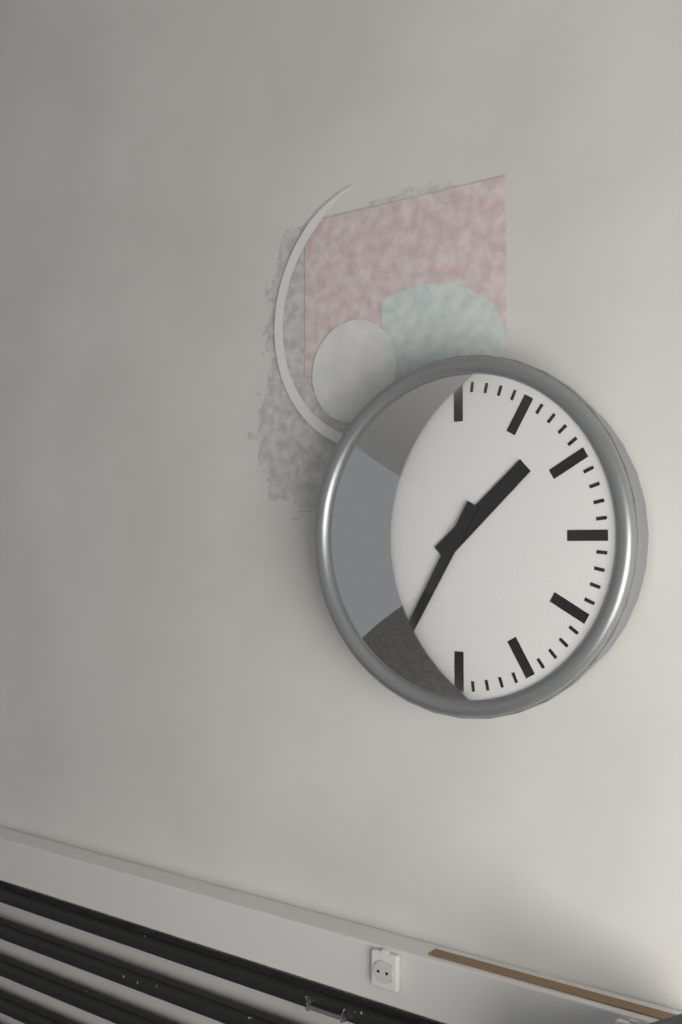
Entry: 1h35
